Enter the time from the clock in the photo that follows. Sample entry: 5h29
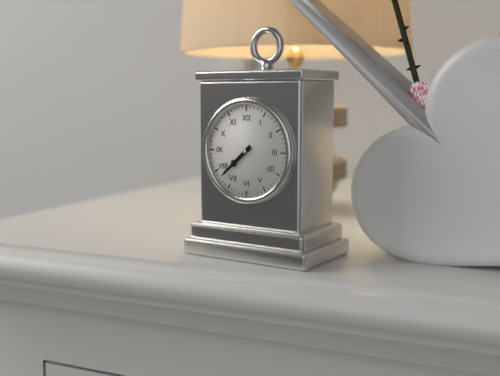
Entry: 7h38
